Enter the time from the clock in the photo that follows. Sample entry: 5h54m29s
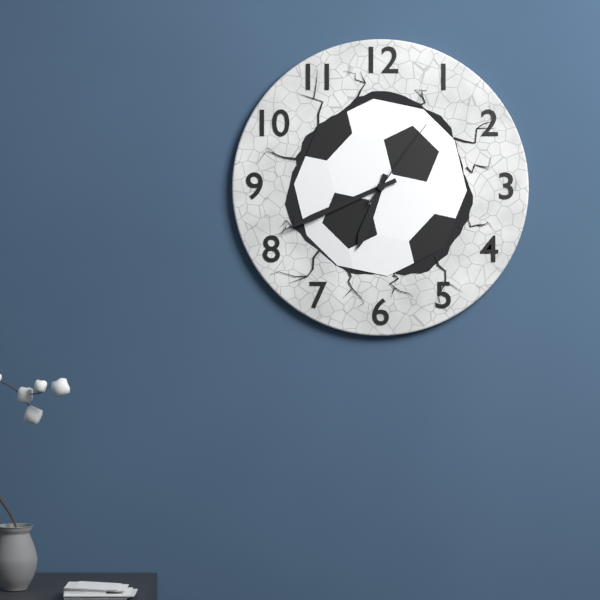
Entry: 6h41m06s
